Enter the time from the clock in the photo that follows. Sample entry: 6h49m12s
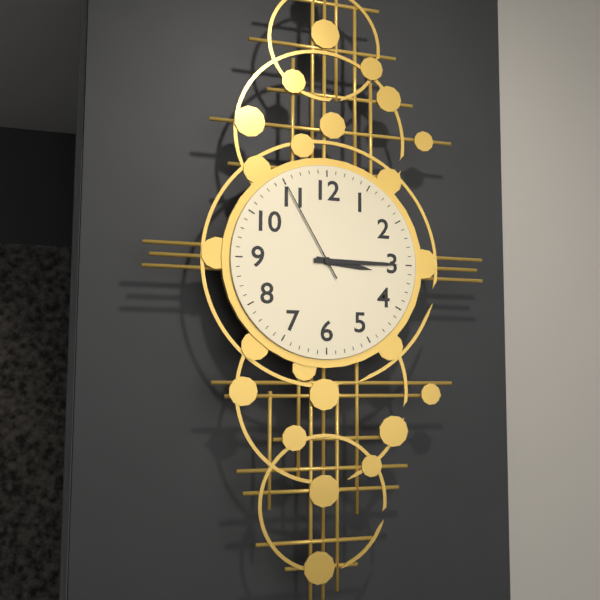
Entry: 3h15m55s
